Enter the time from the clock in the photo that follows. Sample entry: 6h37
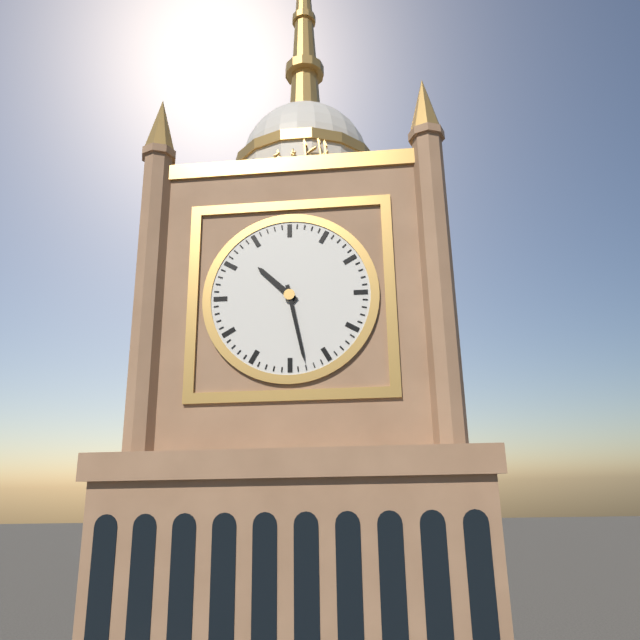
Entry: 10h28
